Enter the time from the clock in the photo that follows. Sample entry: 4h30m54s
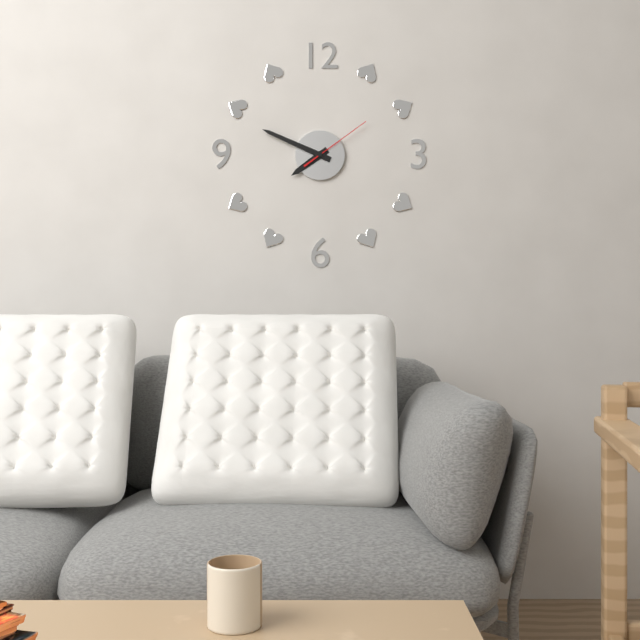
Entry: 7h49m09s
